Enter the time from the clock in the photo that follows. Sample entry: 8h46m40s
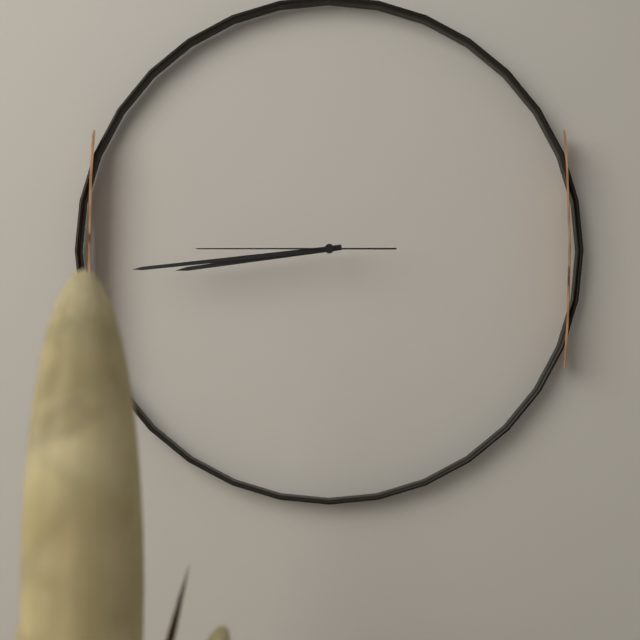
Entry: 8h44m45s
